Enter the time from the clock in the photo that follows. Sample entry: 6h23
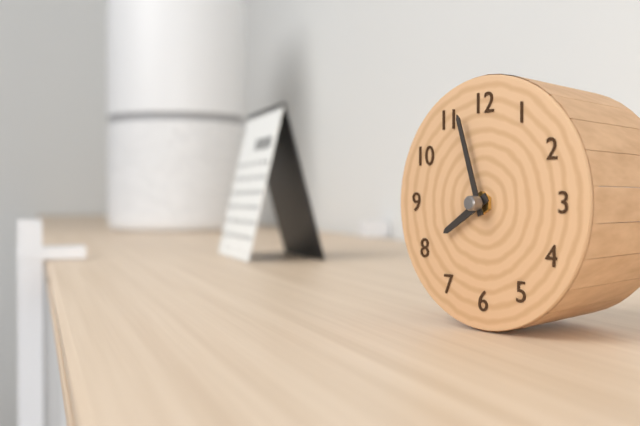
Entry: 7h57
